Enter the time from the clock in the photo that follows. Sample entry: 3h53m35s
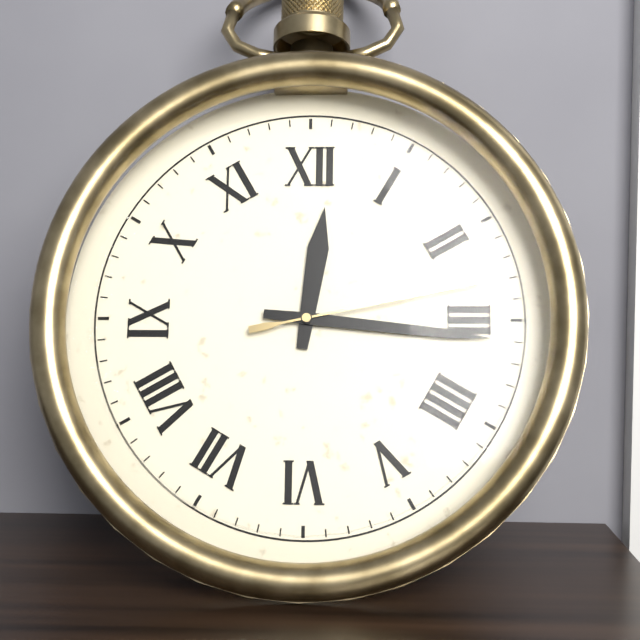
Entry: 12h16m13s
